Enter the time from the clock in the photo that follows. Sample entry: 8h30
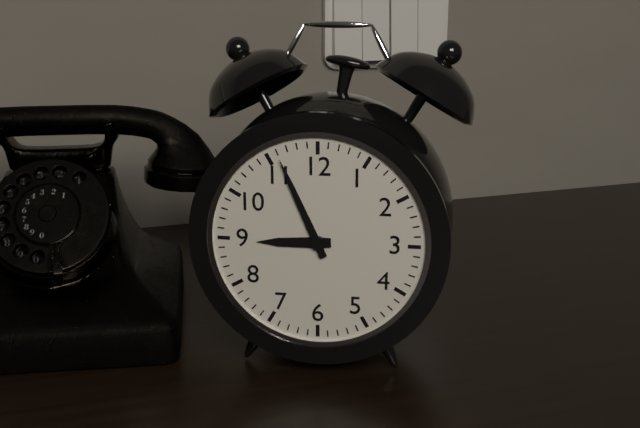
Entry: 8h56
